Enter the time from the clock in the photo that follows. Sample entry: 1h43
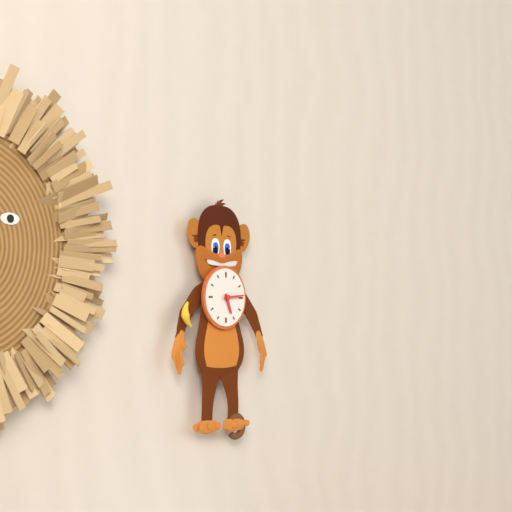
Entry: 5h14
